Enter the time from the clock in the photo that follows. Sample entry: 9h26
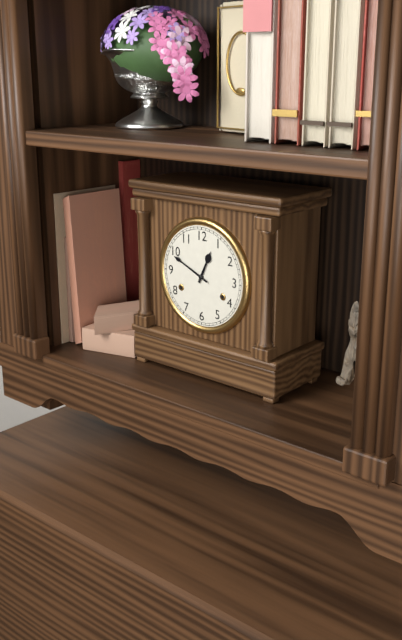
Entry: 12h49
